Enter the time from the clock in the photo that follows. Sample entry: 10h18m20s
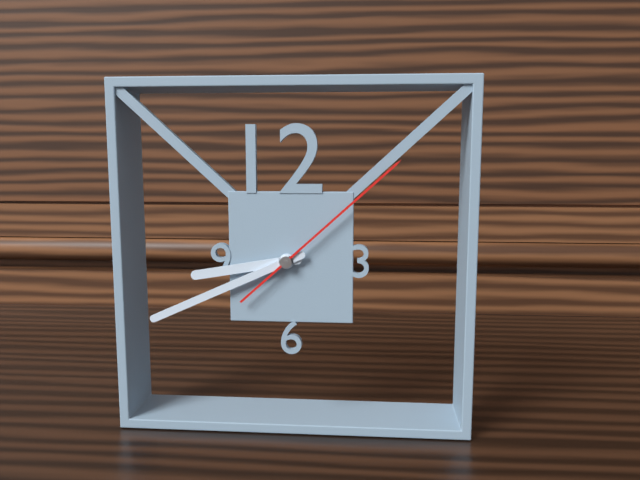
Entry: 8h41m08s
